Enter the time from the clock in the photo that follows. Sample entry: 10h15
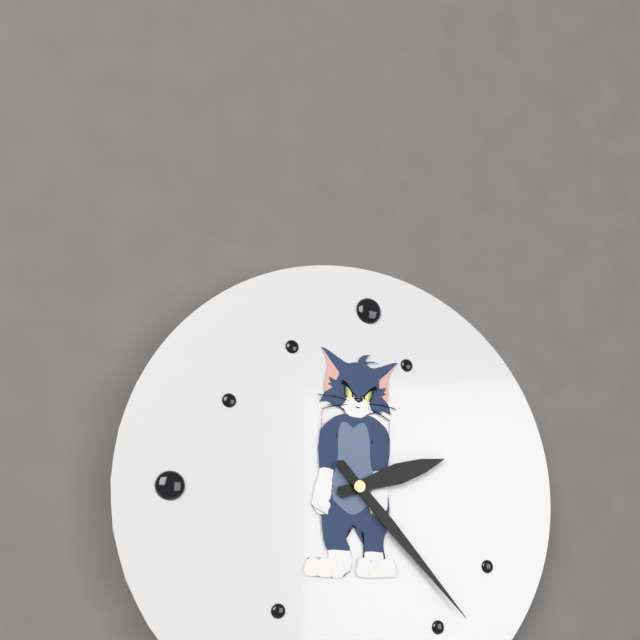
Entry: 2h23
